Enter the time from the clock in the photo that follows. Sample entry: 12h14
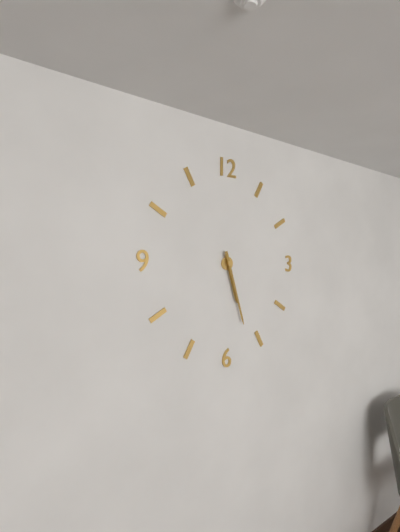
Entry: 5h27
